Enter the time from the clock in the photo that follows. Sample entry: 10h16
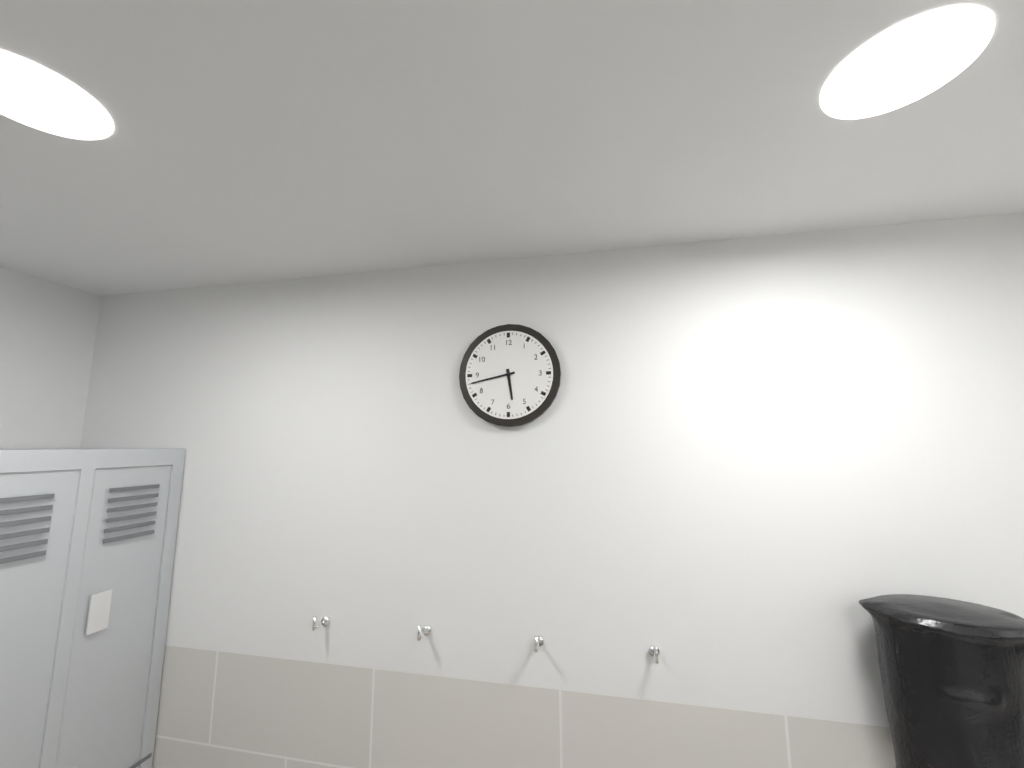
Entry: 5h43
